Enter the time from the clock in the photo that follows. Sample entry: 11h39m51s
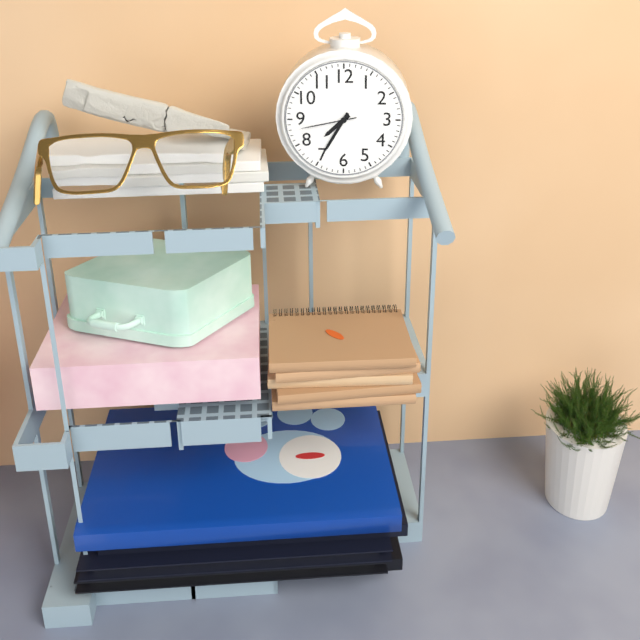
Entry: 7h35m43s
